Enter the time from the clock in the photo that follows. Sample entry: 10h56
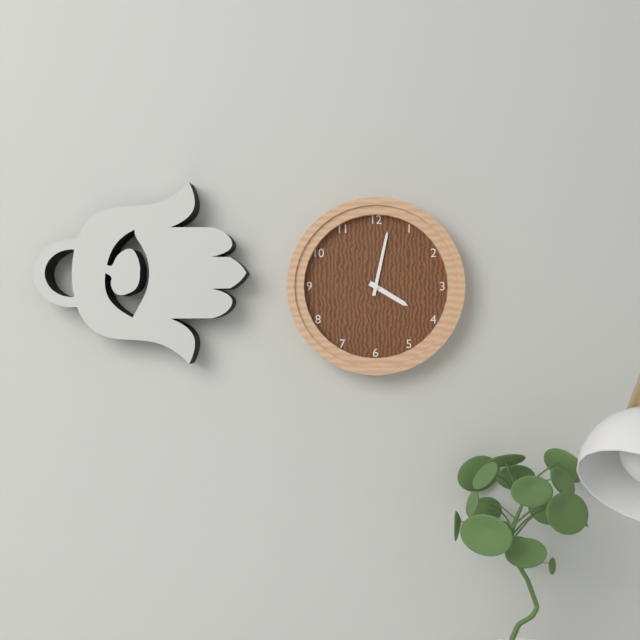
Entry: 4h02
